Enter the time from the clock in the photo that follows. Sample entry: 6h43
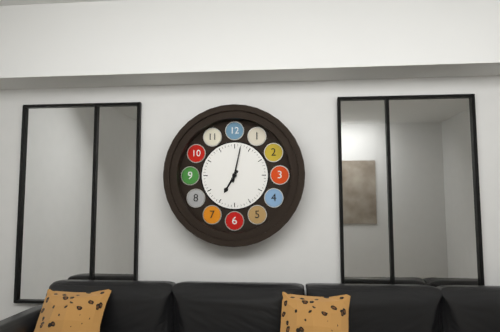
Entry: 7h02
